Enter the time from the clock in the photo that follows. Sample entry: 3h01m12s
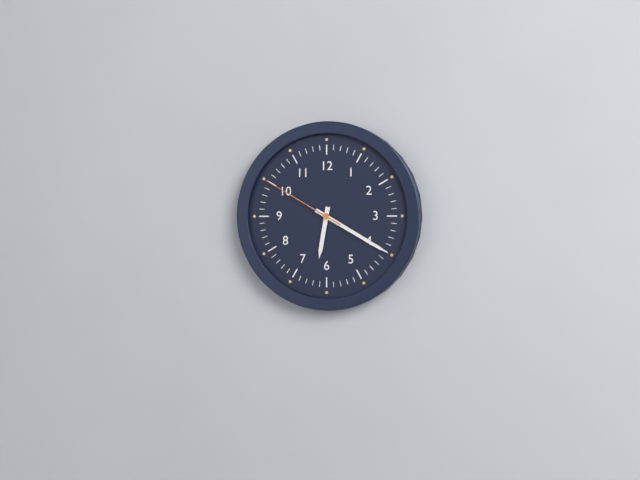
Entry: 6h20m50s
